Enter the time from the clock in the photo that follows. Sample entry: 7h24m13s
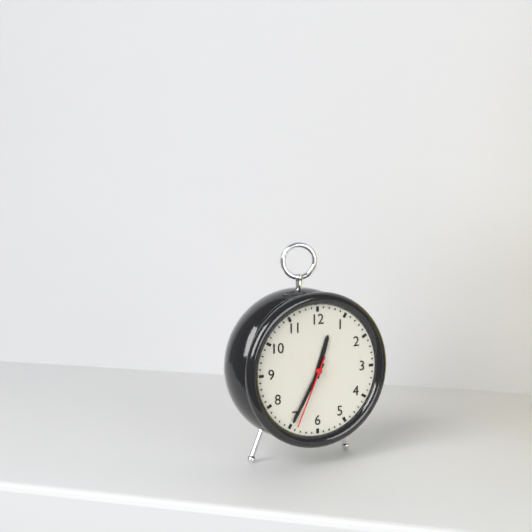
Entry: 12h35m34s
